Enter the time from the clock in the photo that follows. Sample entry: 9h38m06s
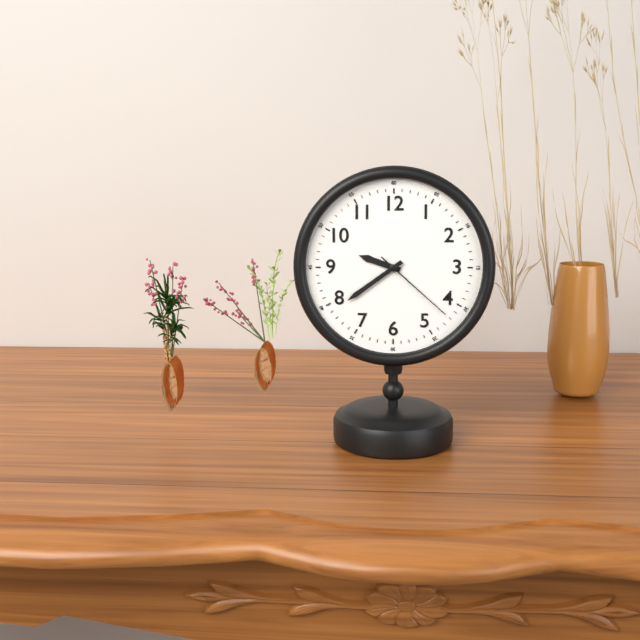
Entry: 9h39m22s
